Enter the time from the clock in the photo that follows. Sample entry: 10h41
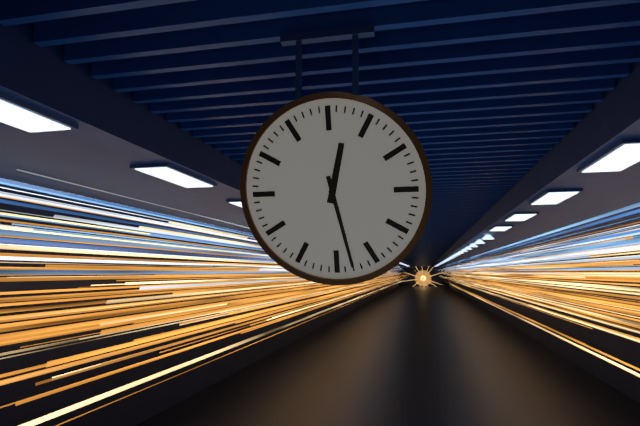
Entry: 12h28
